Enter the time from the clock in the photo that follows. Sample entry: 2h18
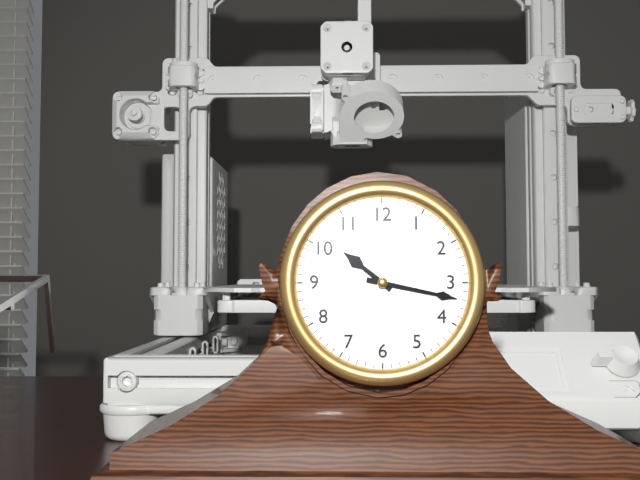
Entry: 10h17
